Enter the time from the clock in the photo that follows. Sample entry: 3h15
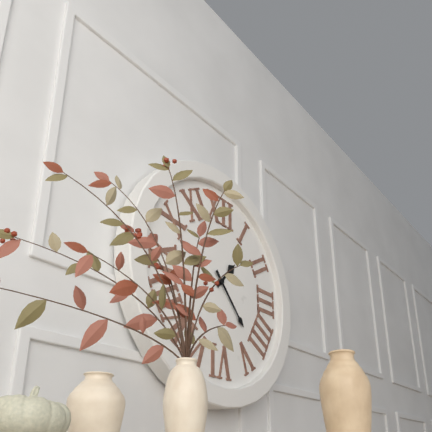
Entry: 1h23
